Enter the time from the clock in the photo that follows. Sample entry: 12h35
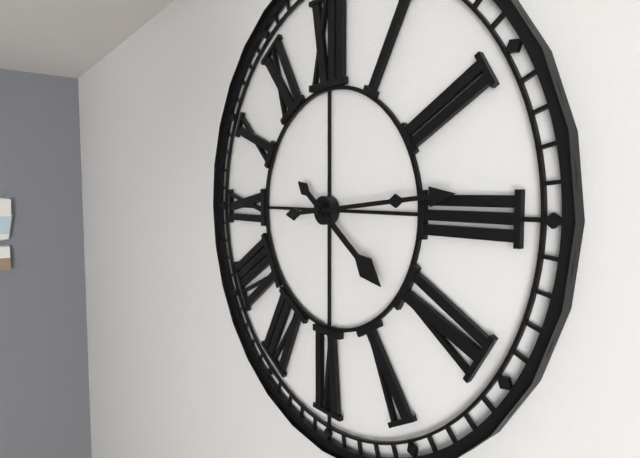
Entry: 4h14
